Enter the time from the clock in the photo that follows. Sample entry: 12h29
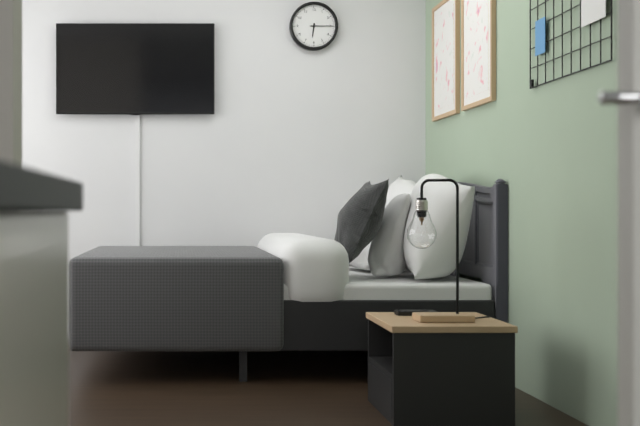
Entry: 6h15
